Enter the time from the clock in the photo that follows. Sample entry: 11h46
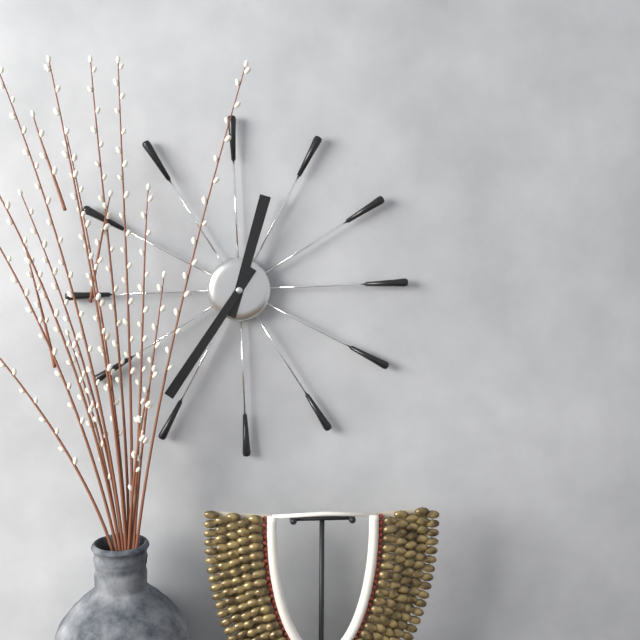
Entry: 12h36
